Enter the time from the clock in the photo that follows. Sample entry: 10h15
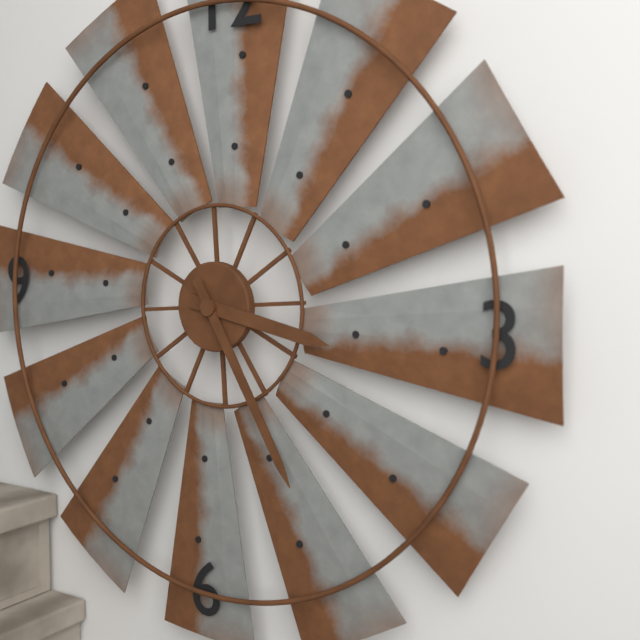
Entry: 3h25
